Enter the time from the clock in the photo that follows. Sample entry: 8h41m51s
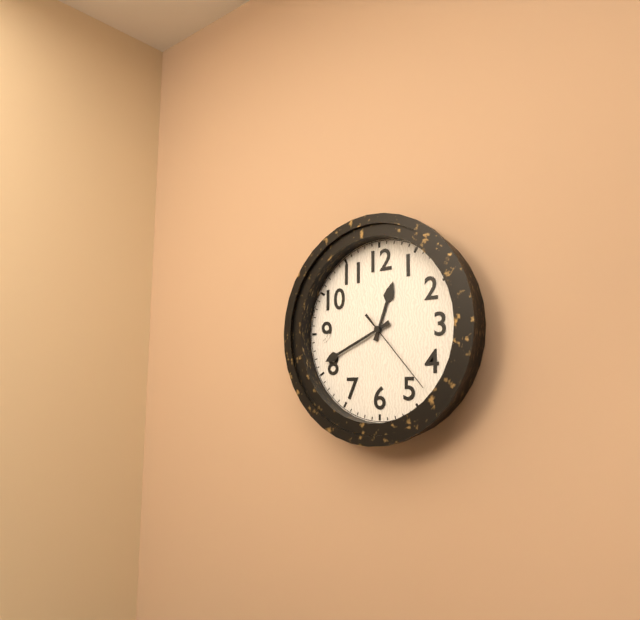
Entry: 12h41m23s
